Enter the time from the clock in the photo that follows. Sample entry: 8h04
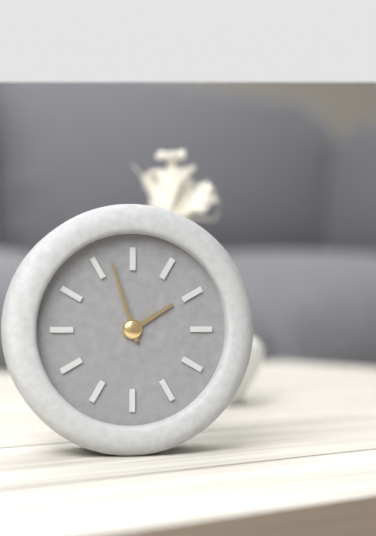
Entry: 1h57
